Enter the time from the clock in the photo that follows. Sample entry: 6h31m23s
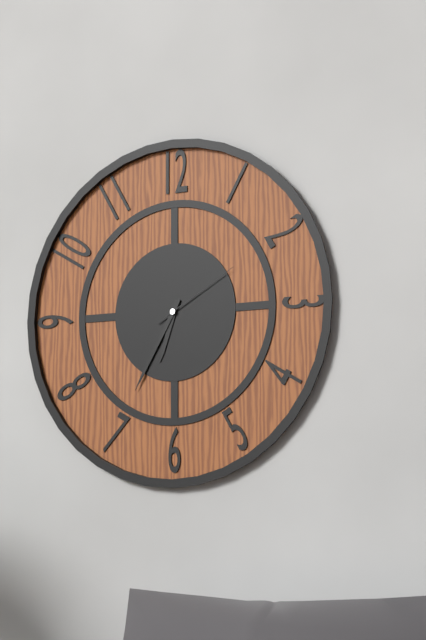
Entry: 6h35m10s
